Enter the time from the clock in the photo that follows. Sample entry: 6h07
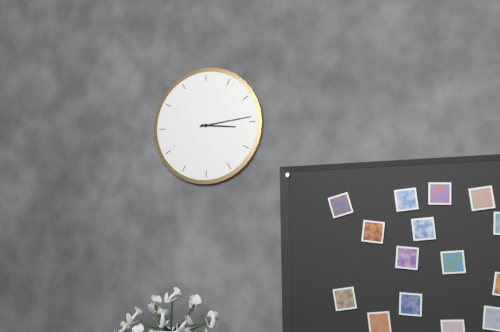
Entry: 3h14
